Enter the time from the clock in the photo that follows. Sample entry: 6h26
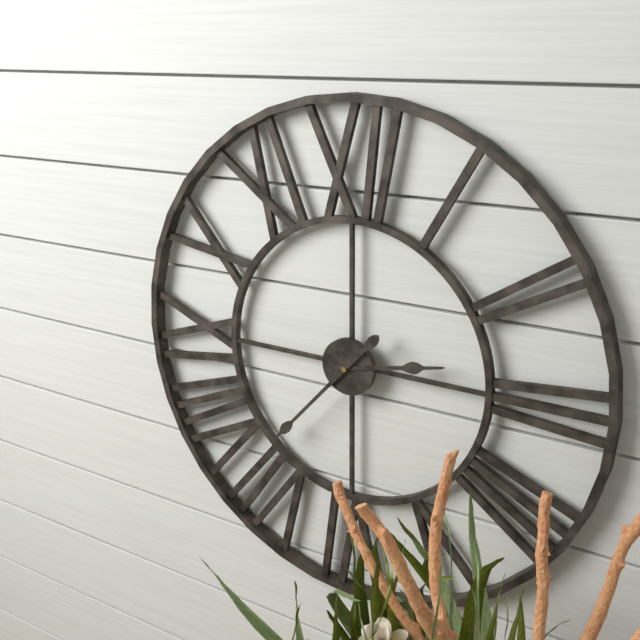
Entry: 2h37
